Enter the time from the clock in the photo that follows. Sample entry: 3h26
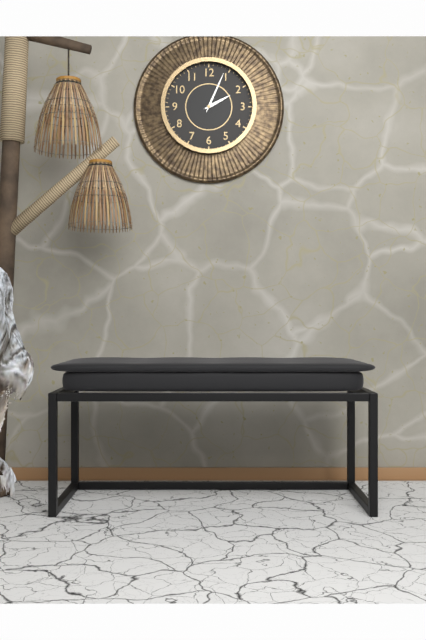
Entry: 2h04
